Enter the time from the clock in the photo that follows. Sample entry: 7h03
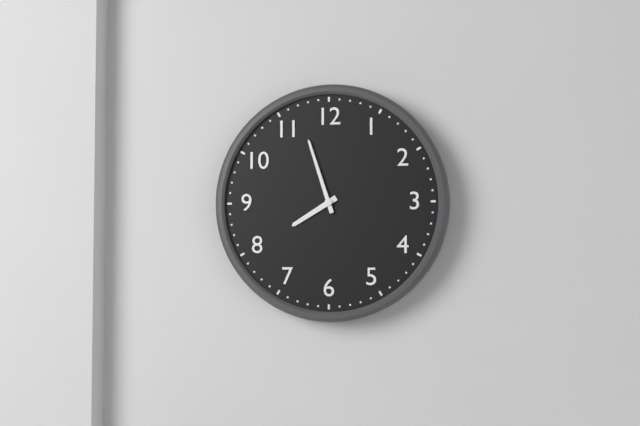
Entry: 7h57
